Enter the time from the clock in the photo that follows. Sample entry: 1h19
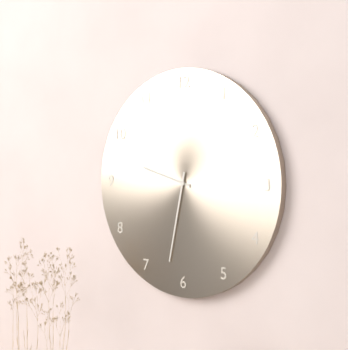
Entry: 9h32
